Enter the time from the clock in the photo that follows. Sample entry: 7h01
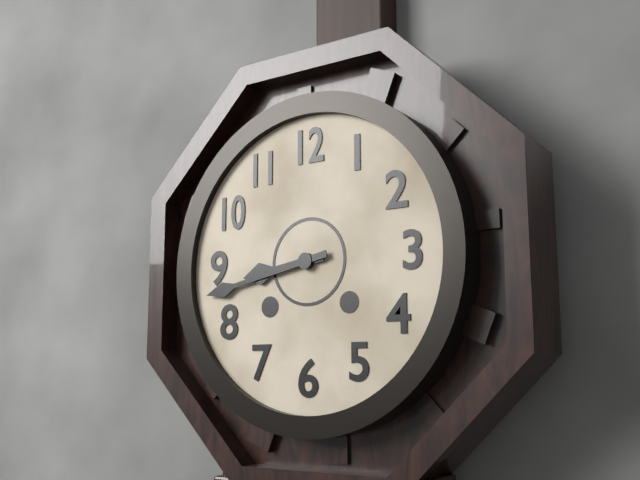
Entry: 8h43
